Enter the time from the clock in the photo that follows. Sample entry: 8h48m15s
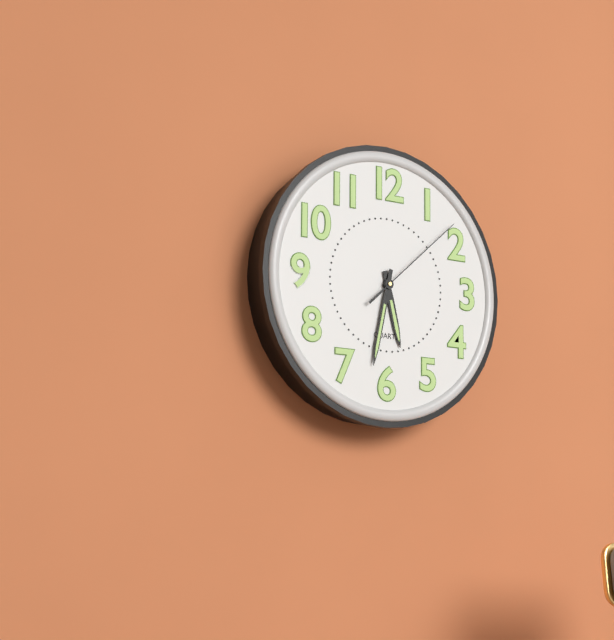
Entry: 5h32m08s
